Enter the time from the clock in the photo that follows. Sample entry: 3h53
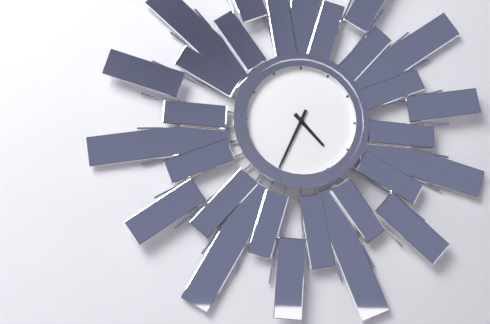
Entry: 4h34
